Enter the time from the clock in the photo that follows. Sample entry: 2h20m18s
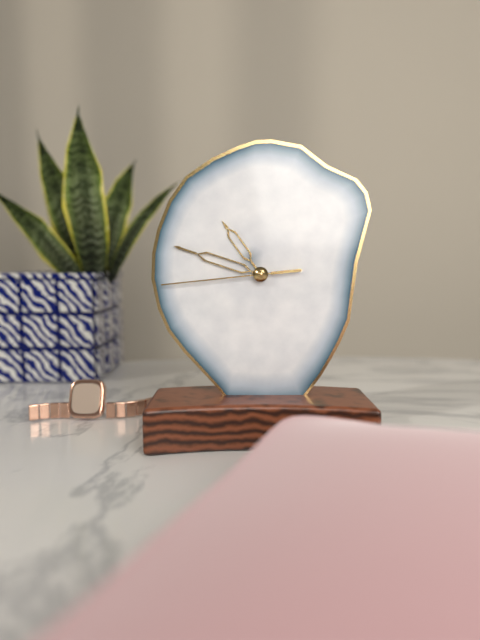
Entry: 10h48m44s
